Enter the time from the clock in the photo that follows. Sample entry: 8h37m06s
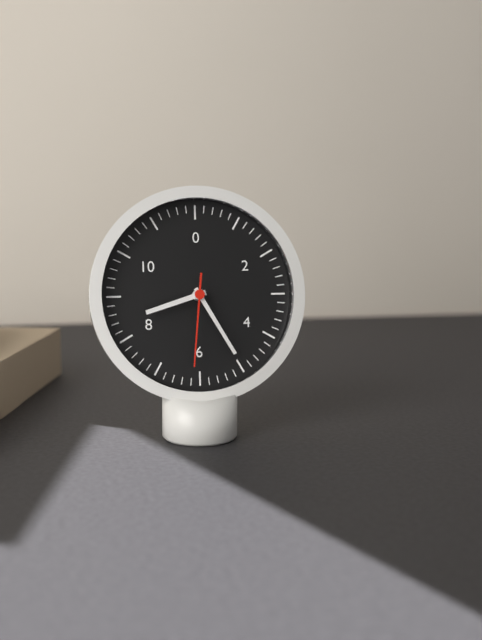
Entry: 8h25m31s
